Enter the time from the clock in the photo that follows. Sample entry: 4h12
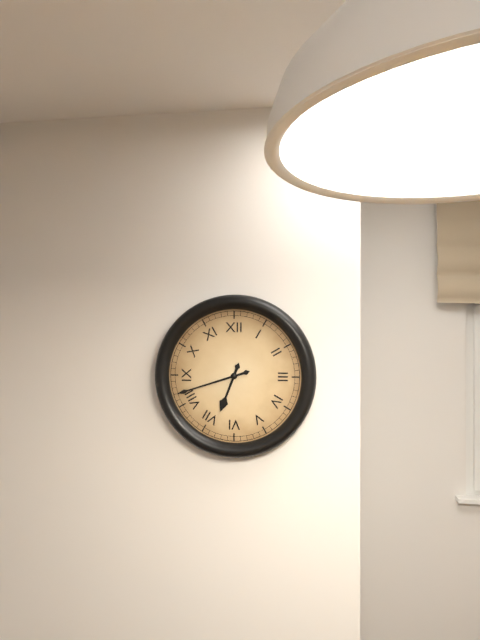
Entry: 6h42
